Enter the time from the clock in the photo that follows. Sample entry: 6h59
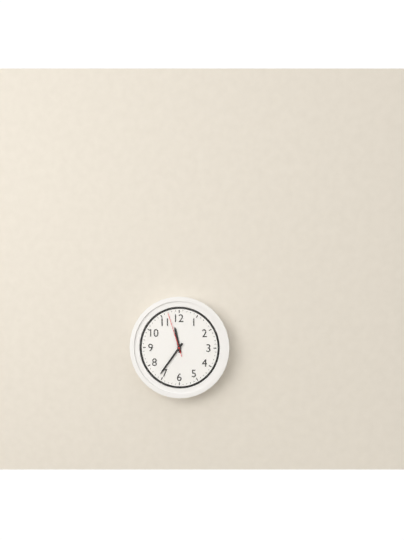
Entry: 11h36
